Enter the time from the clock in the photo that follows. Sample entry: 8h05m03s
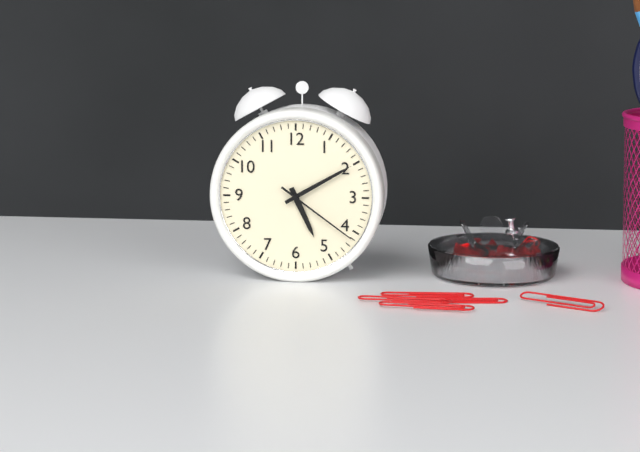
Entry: 5h10m21s
